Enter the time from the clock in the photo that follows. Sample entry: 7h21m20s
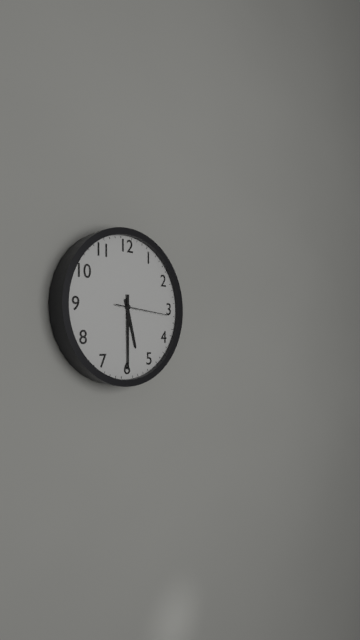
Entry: 5h30m16s
